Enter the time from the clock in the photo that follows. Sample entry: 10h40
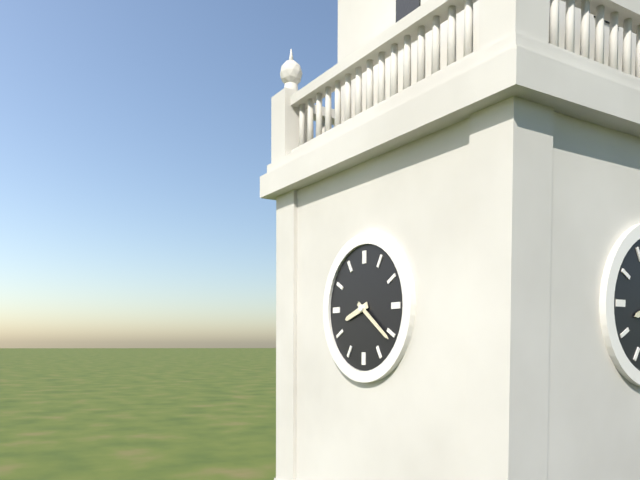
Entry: 8h21
